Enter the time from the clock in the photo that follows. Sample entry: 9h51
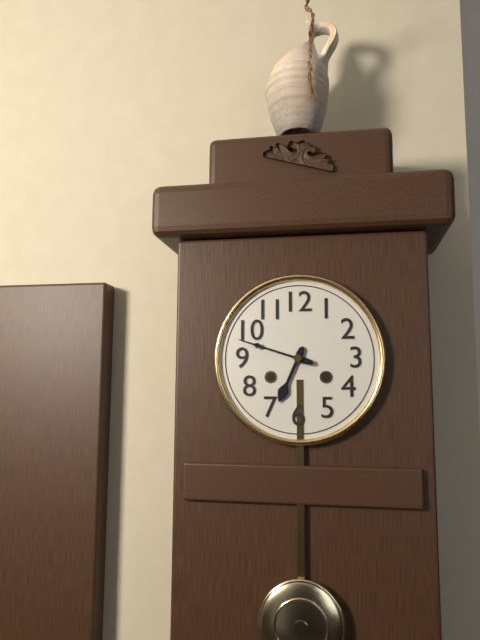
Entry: 6h48
